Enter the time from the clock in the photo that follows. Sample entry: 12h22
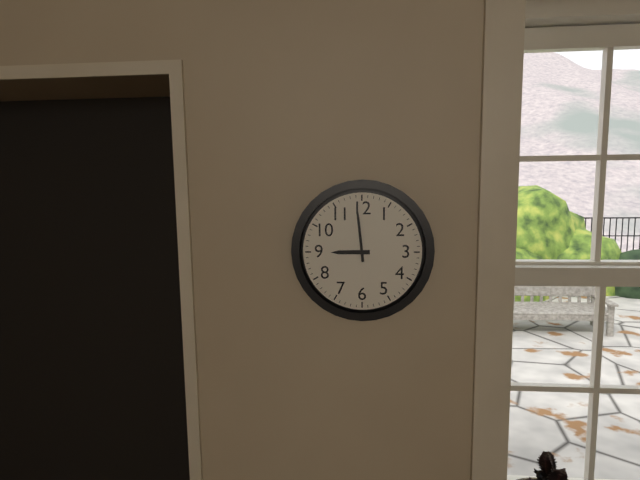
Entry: 8h59
